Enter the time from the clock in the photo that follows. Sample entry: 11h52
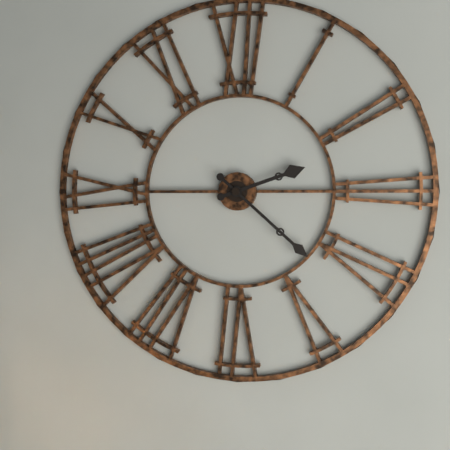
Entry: 2h22
